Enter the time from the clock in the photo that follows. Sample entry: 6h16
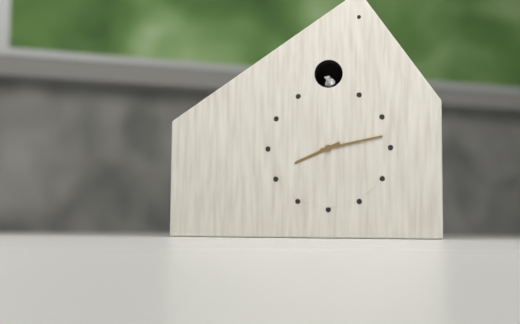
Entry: 8h13
